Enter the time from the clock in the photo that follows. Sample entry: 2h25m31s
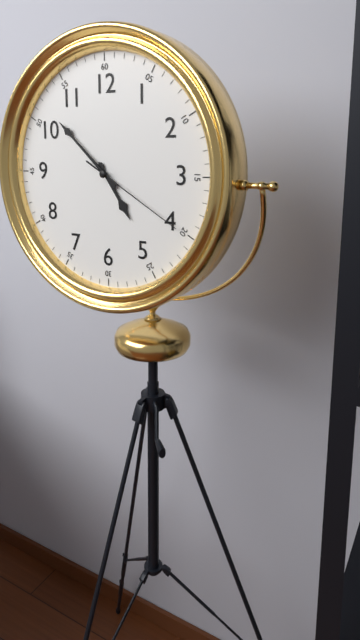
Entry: 4h52m20s
